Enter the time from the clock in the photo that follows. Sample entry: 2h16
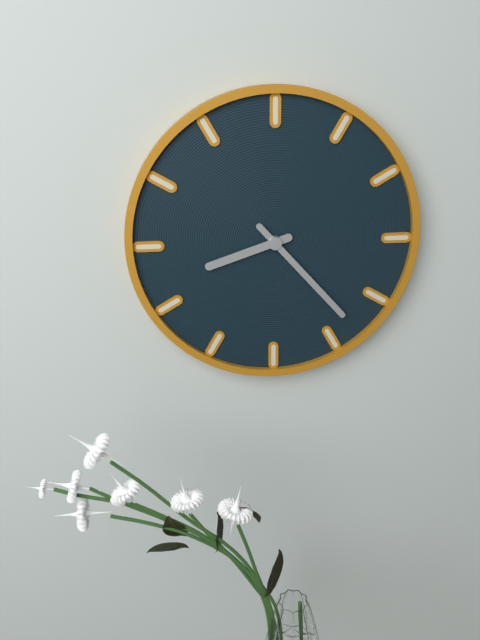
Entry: 8h23
